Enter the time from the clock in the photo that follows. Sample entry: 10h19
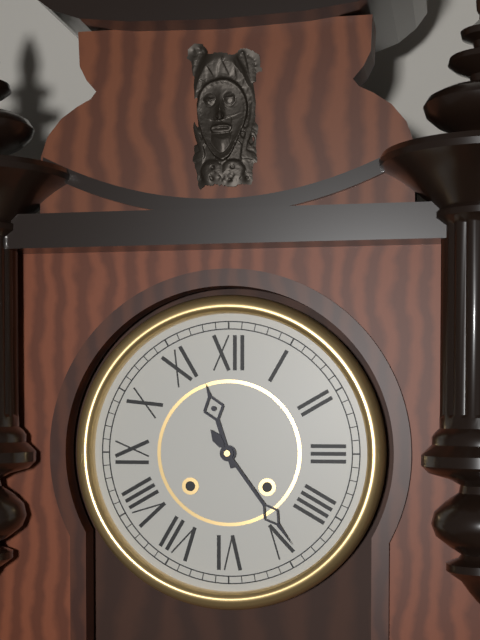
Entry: 11h24
